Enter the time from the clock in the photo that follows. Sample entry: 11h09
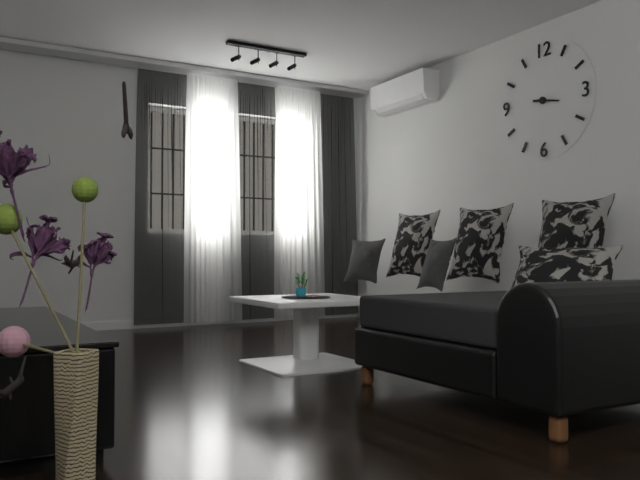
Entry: 9h17
